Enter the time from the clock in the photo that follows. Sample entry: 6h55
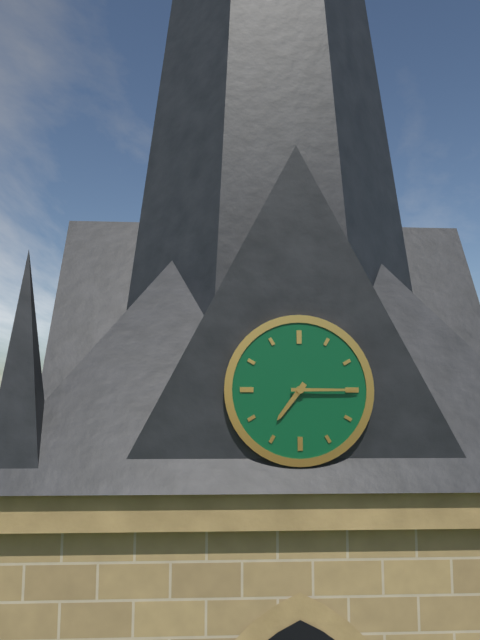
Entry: 7h15
